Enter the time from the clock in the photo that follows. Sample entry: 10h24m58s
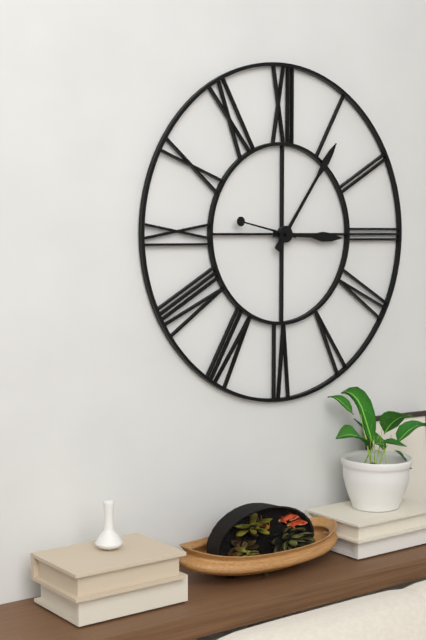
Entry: 3h06m47s
